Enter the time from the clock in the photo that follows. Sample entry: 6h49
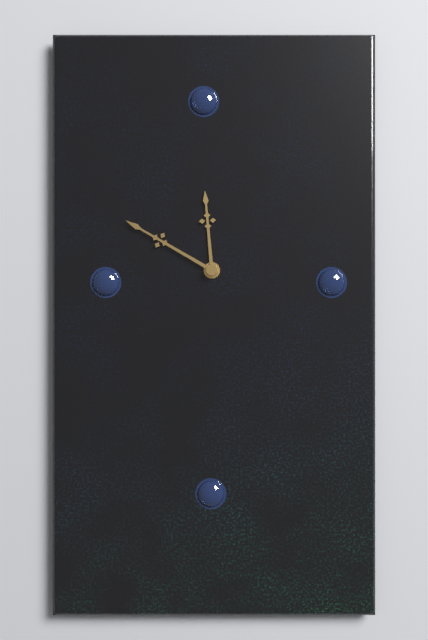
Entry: 11h50
